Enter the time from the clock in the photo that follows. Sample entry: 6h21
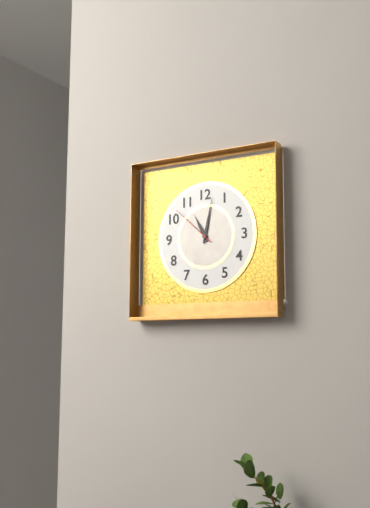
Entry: 11h02
